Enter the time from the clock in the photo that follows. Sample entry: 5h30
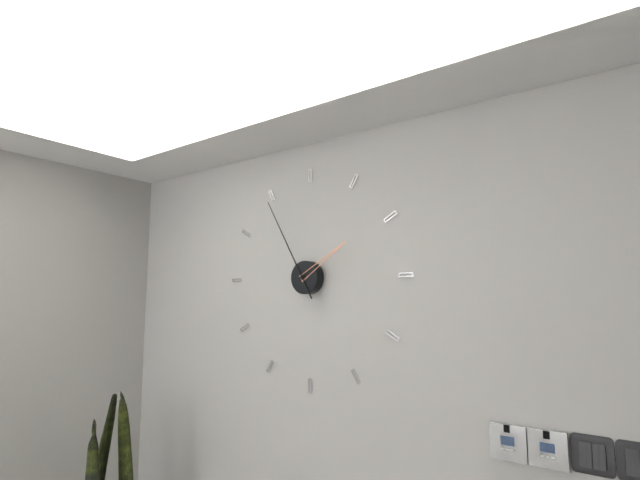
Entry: 1h55
